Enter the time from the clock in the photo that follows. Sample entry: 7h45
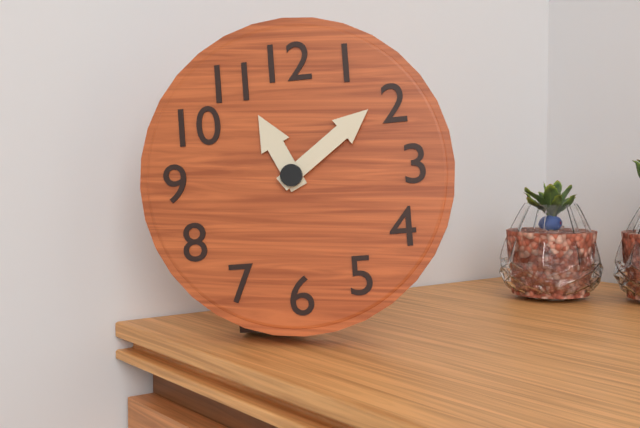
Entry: 11h09
